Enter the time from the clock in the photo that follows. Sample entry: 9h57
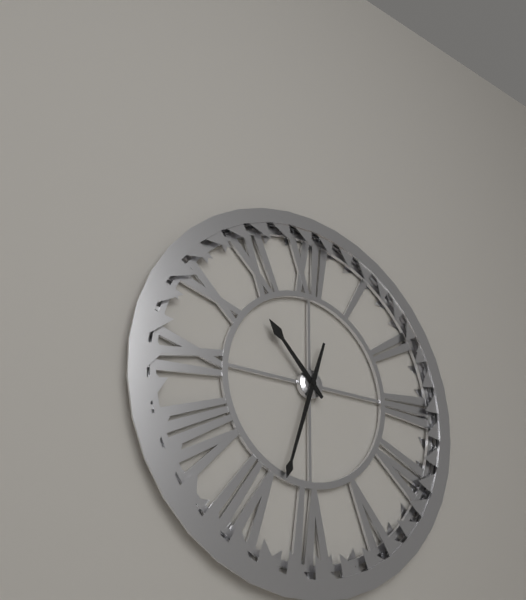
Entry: 10h33
